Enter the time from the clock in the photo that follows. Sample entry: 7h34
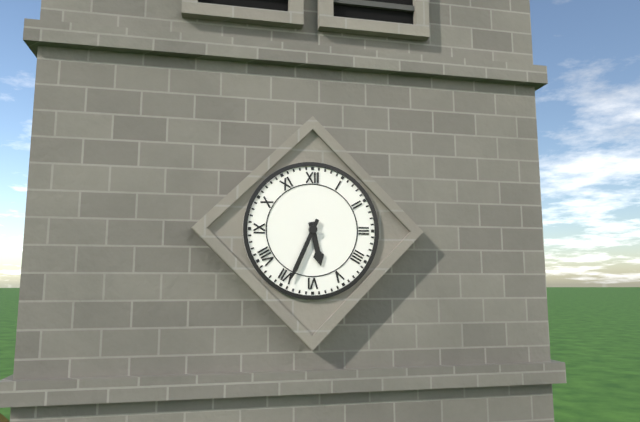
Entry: 5h34
